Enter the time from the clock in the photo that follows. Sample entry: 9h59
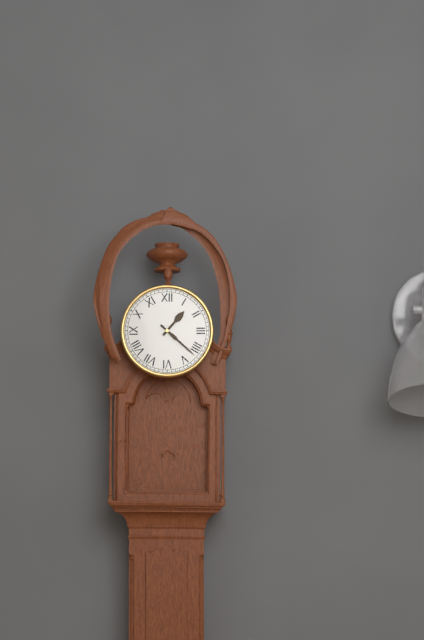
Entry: 1h22
